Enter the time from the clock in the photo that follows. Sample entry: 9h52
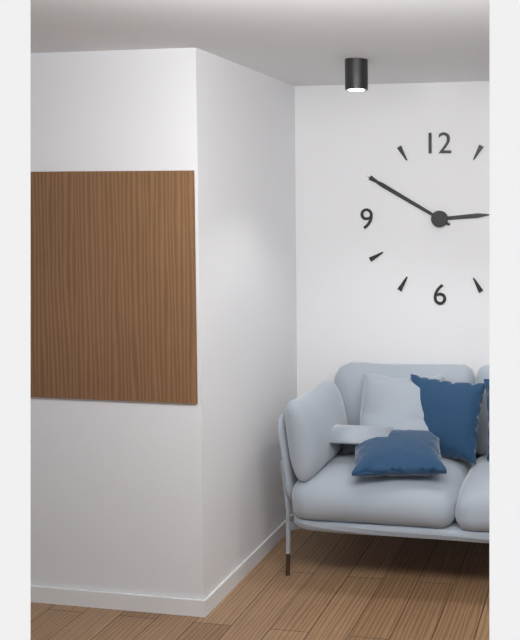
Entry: 2h50
